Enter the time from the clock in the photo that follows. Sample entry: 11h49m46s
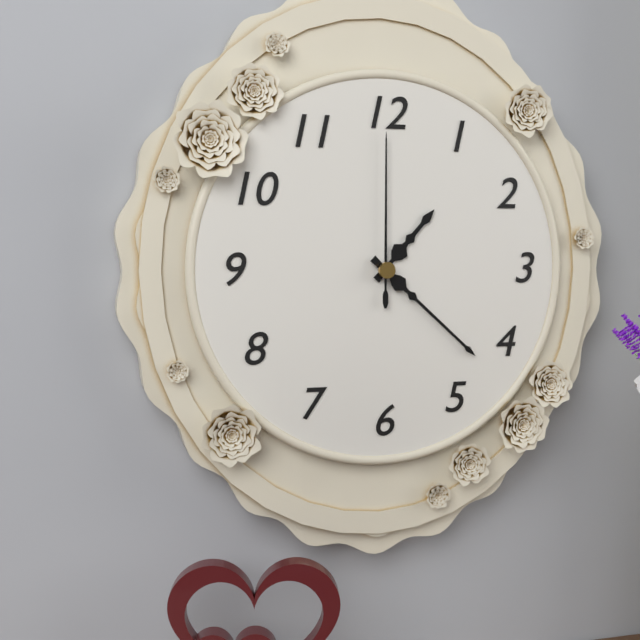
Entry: 1h22m00s
